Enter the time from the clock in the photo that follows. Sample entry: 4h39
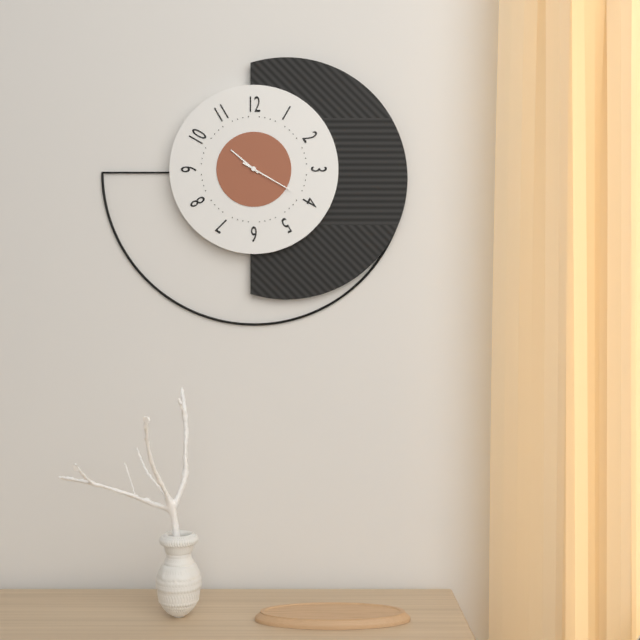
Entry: 10h20
